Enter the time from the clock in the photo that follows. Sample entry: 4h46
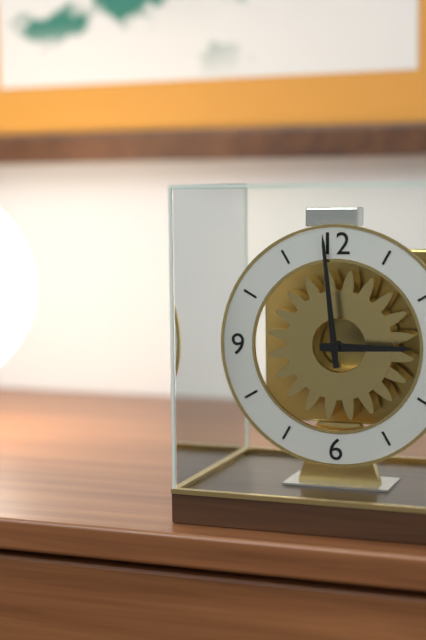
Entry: 2h59
